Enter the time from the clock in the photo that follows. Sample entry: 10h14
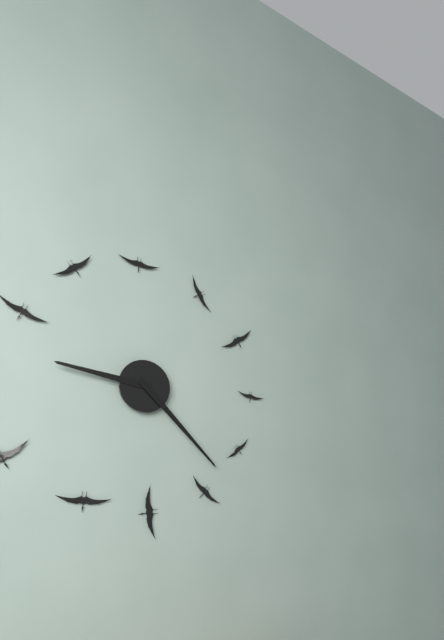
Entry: 9h23
